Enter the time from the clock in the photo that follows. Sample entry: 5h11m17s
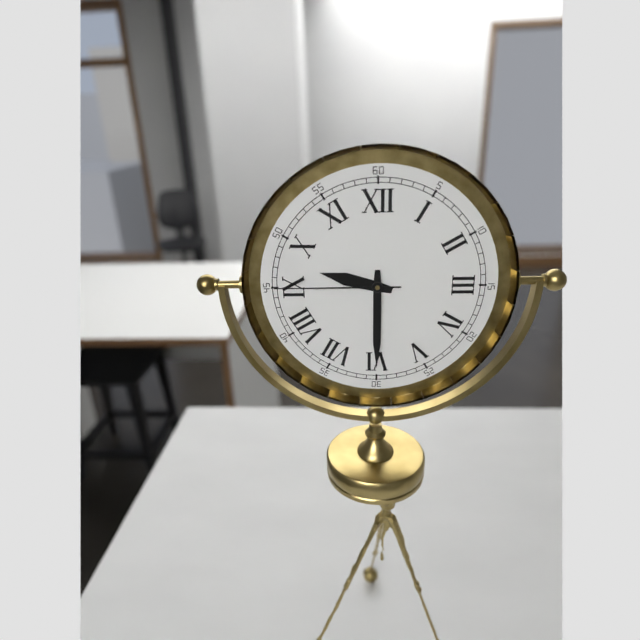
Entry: 9h30m45s
